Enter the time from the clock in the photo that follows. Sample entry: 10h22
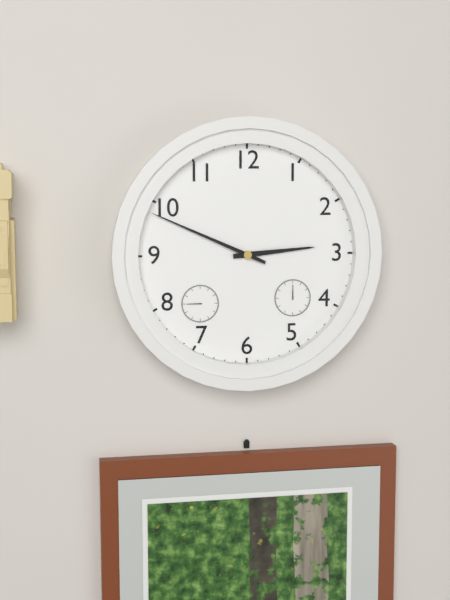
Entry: 2h49
